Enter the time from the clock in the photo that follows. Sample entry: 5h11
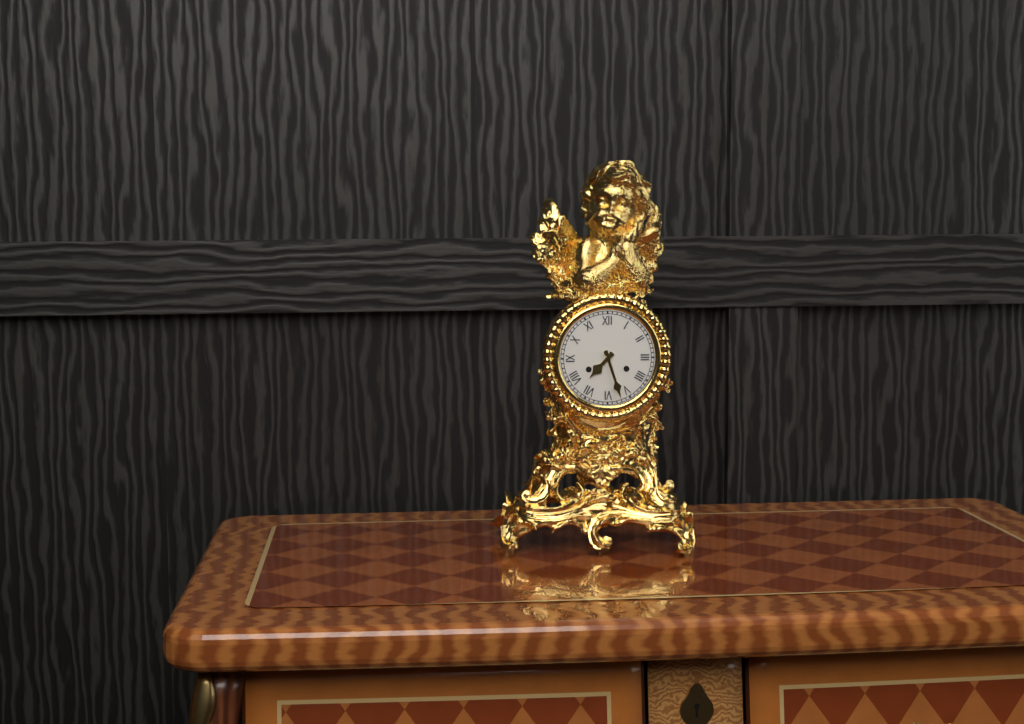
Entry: 7h27
